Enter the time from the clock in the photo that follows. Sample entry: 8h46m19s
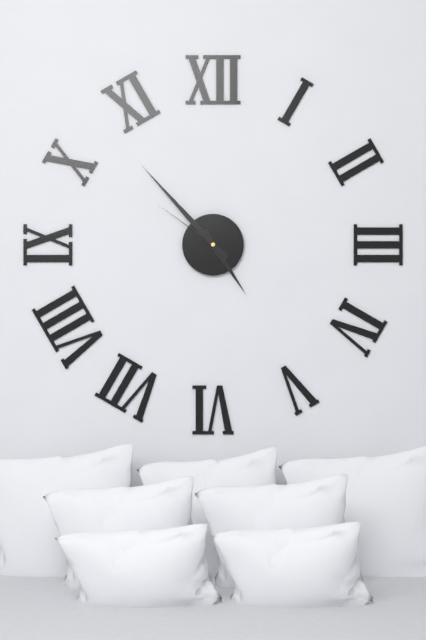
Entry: 4h53m51s
